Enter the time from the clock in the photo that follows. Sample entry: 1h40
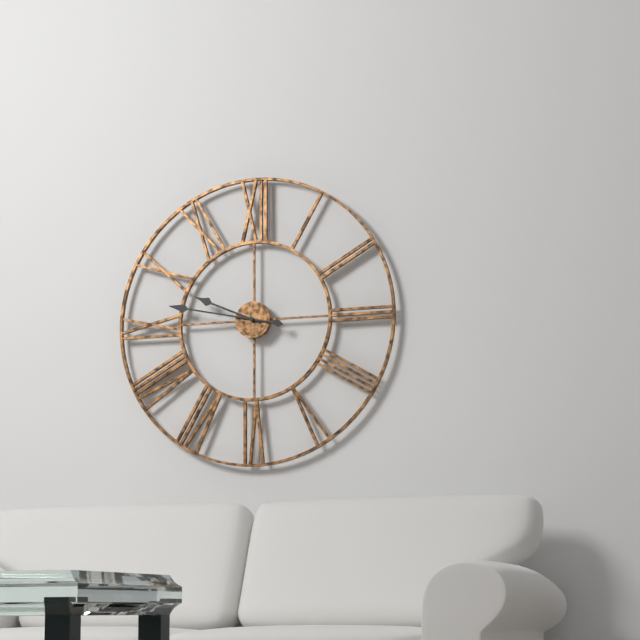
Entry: 9h47
